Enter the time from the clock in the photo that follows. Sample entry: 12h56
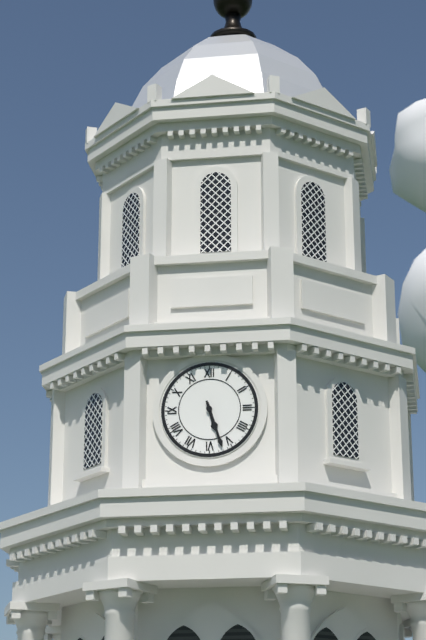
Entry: 5h27
